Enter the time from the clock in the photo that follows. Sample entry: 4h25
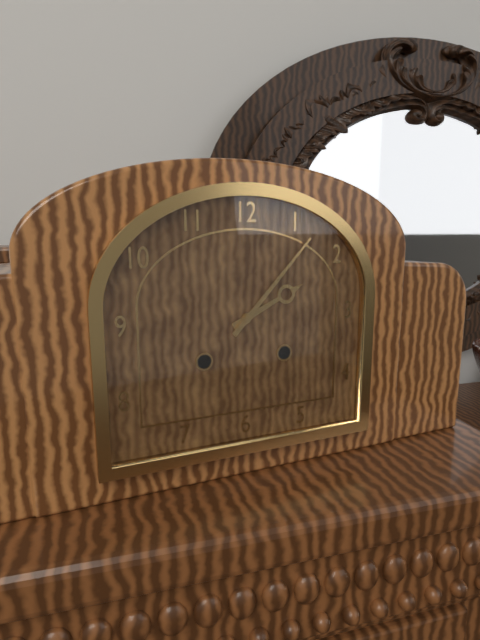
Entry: 2h07
